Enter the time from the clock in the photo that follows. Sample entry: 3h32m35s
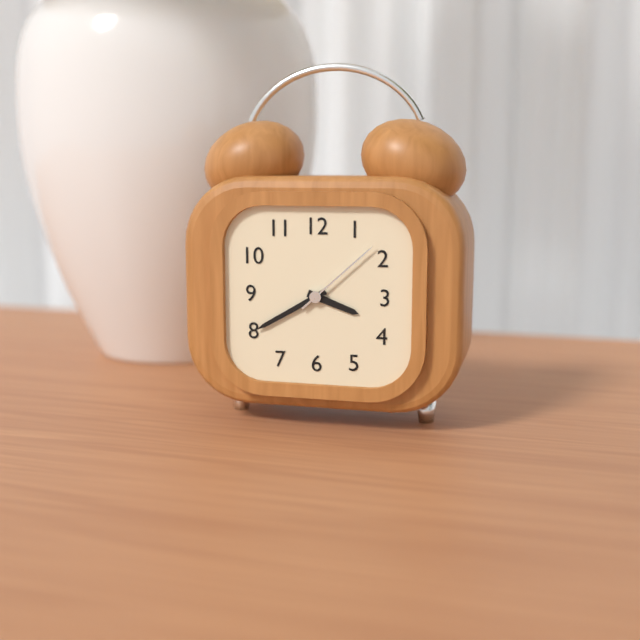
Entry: 3h40m08s
